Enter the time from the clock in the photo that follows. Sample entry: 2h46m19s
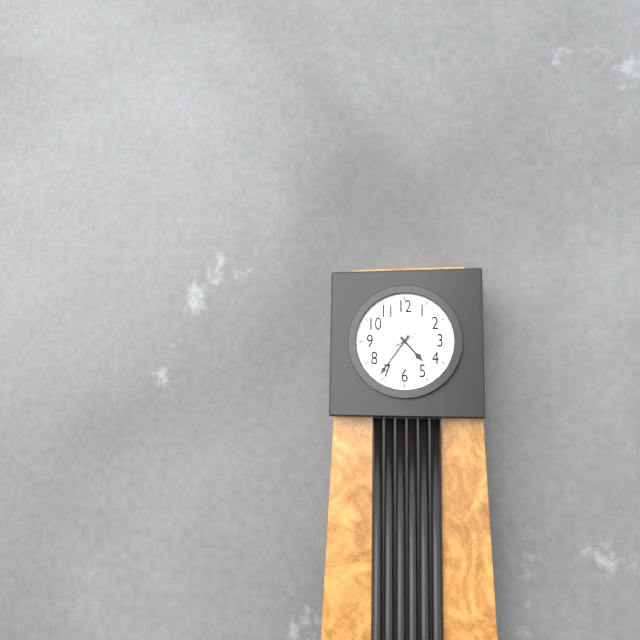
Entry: 4h36m10s
